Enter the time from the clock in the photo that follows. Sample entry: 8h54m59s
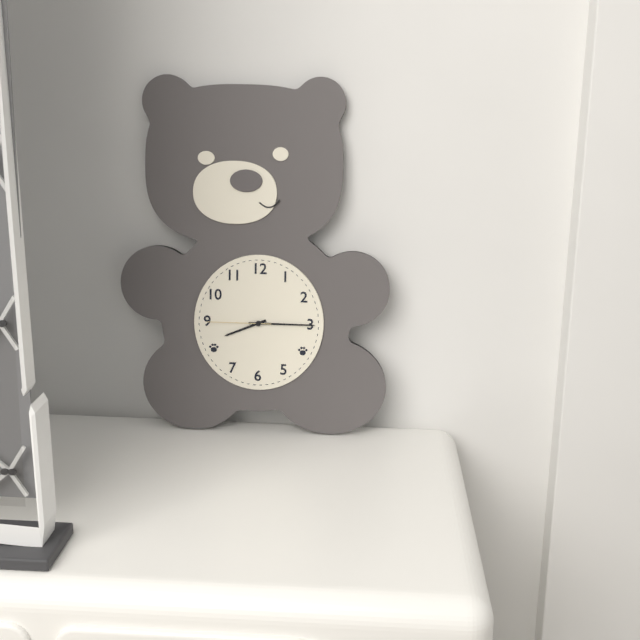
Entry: 8h15m45s
